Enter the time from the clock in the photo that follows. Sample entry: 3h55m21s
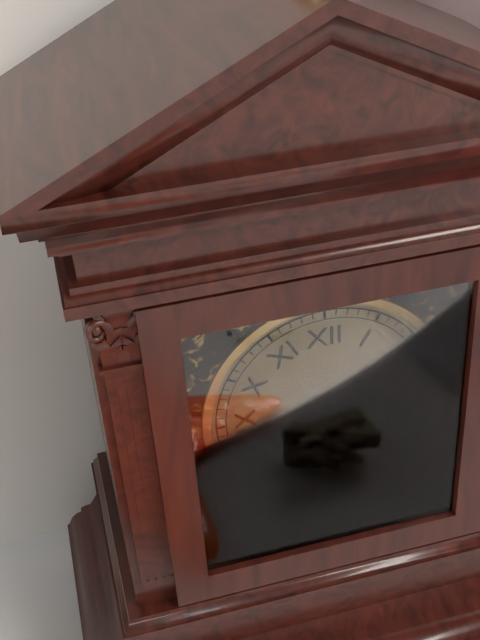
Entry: 6h32m23s
